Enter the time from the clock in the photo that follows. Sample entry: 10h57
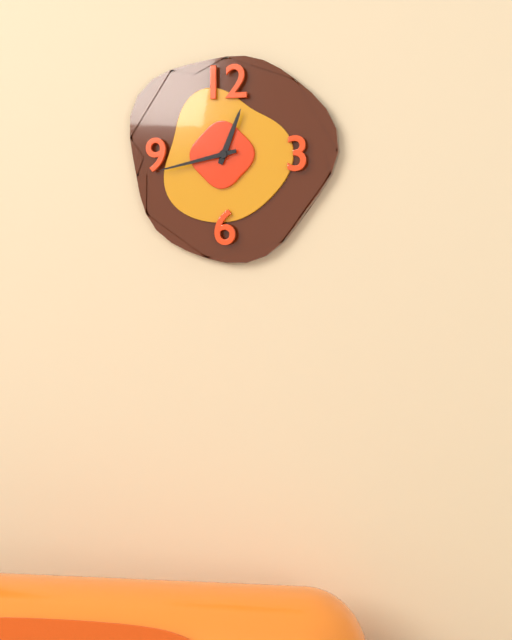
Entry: 12h43
